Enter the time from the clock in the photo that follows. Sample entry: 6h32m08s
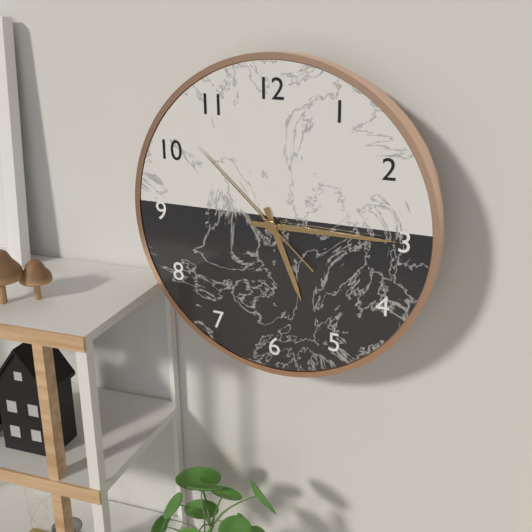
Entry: 5h15m52s
